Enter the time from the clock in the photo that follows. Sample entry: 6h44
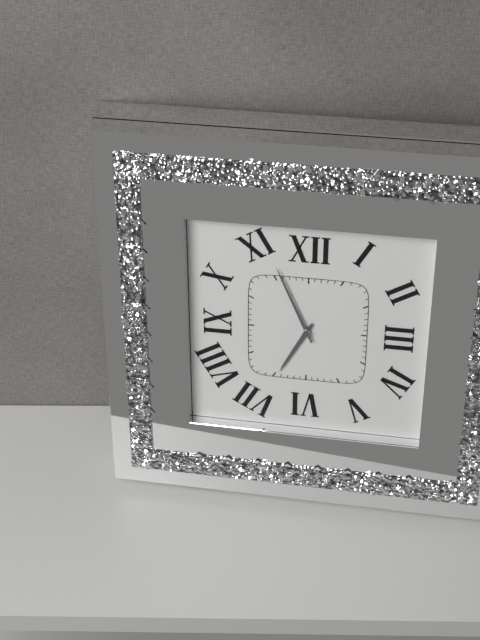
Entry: 6h56
